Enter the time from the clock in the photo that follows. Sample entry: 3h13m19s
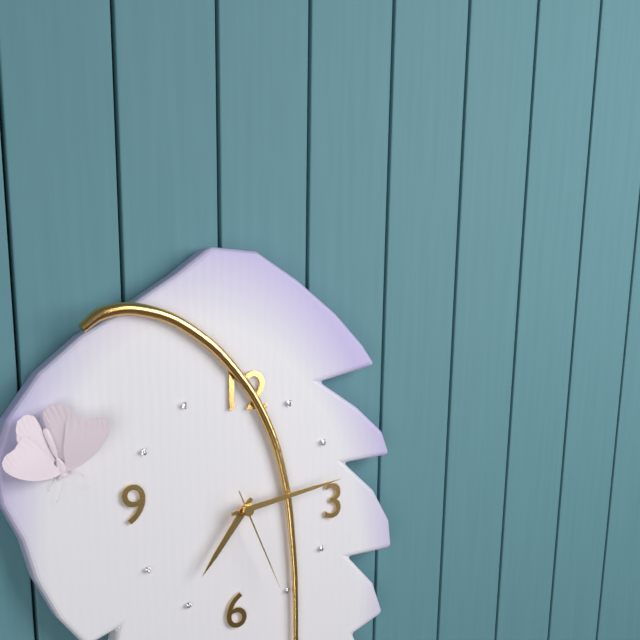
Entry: 7h13m26s
